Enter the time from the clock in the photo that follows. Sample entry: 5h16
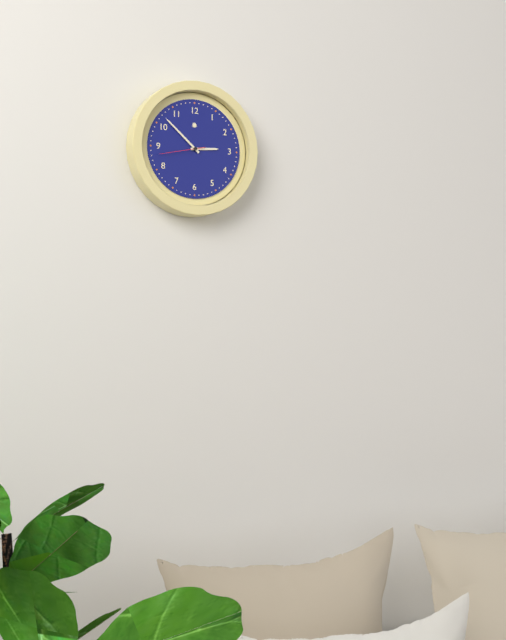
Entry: 2h52
